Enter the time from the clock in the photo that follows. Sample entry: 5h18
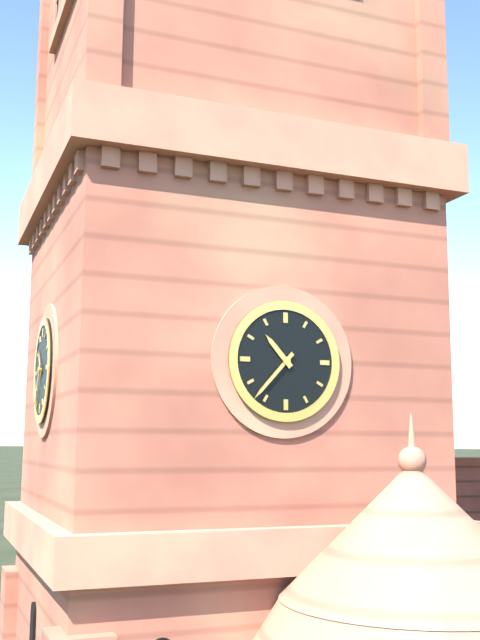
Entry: 10h37
